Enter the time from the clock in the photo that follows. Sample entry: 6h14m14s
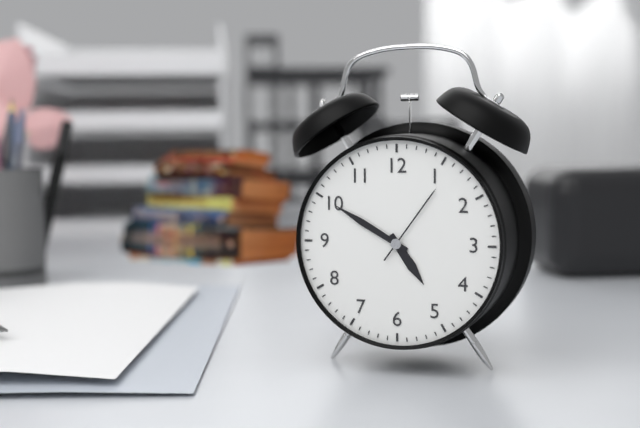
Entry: 4h50m06s
